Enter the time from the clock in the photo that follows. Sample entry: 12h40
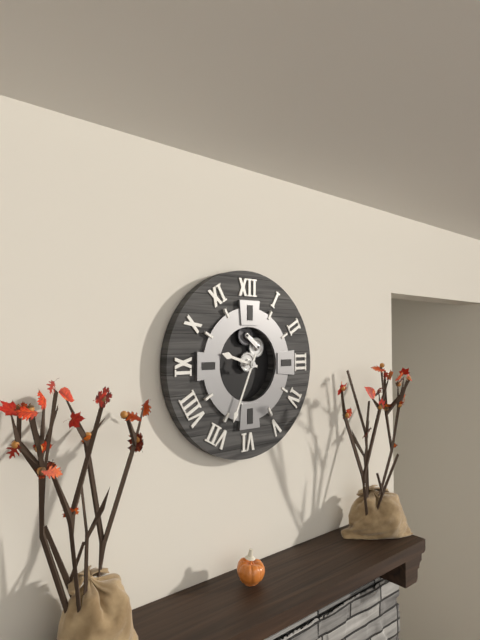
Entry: 9h34
